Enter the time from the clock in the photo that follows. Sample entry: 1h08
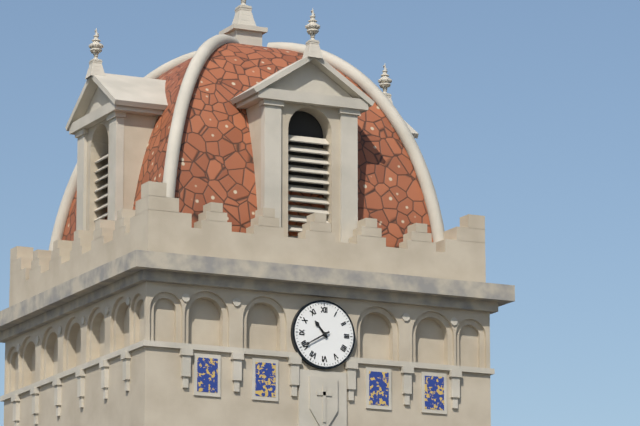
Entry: 10h40
